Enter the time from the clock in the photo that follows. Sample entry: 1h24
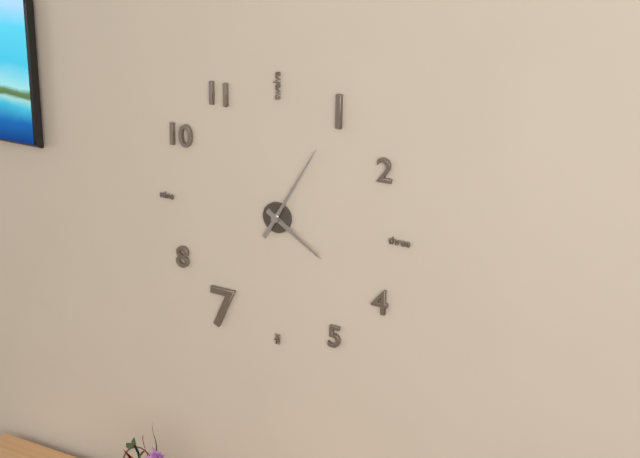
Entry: 4h05
